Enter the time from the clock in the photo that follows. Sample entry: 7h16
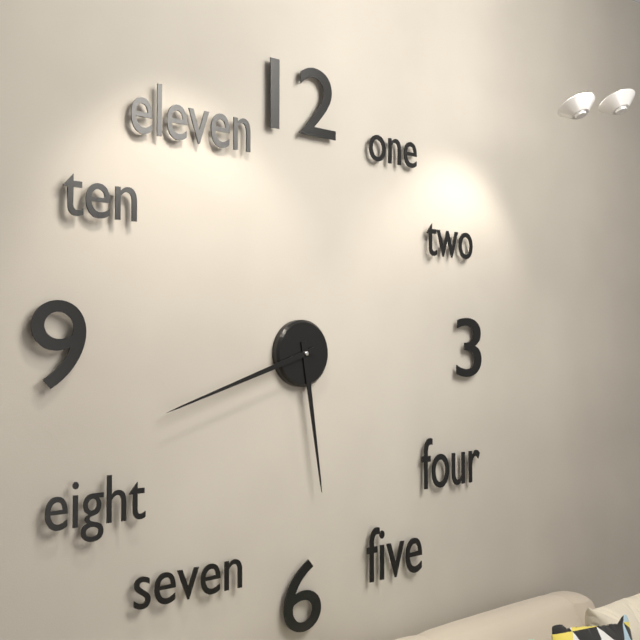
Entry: 5h42
